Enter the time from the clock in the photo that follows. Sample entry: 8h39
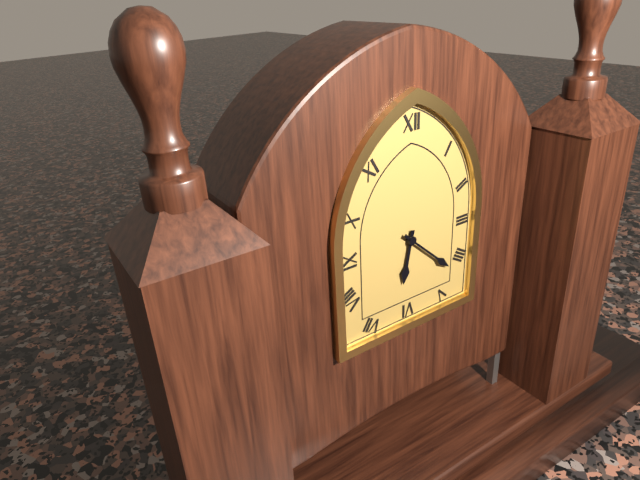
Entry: 6h22
